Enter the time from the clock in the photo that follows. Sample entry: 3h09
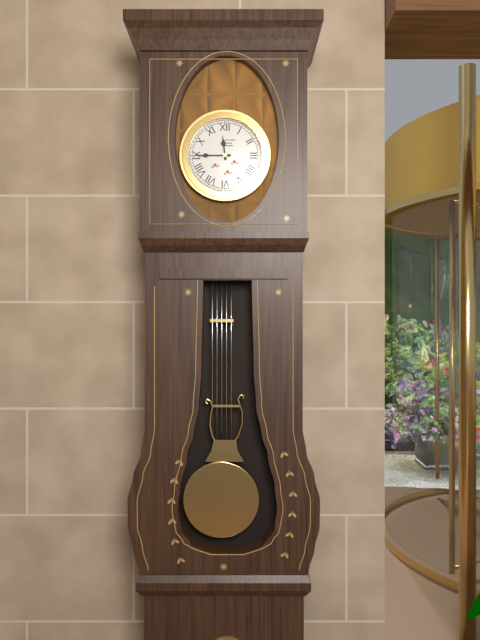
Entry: 11h45
